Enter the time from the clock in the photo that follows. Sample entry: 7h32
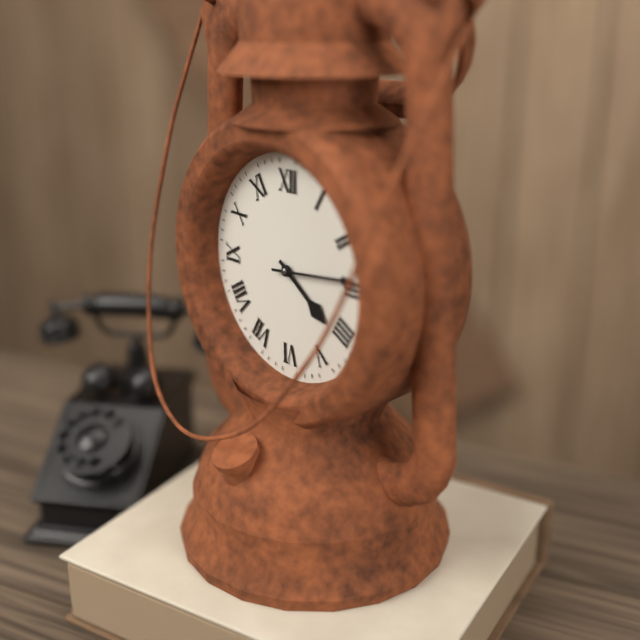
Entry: 4h14
